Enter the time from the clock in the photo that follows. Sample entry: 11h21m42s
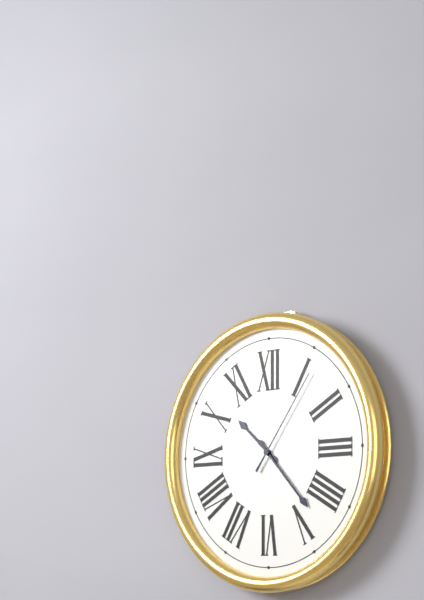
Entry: 10h23m06s
